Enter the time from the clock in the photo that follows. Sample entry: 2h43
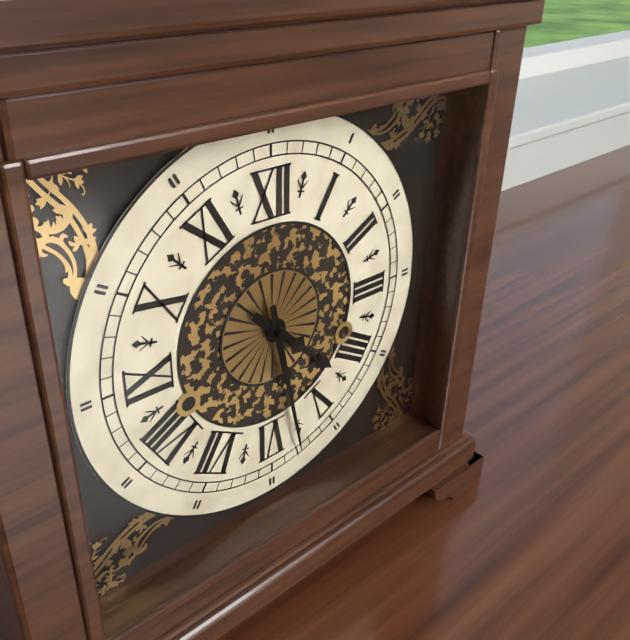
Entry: 4h28
